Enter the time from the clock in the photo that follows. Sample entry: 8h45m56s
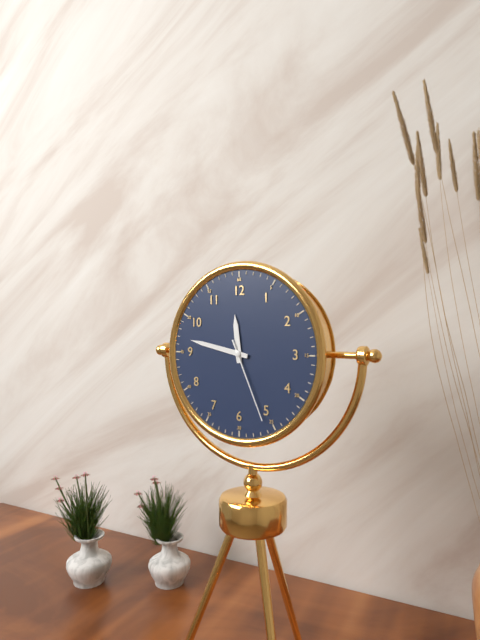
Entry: 11h47m26s
